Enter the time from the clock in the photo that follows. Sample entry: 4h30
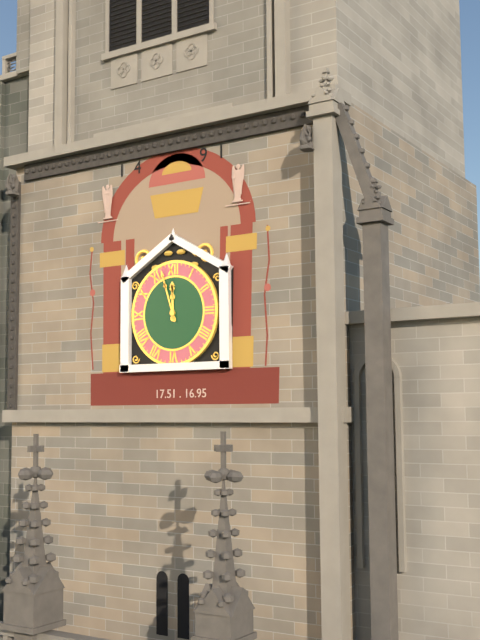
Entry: 11h57
